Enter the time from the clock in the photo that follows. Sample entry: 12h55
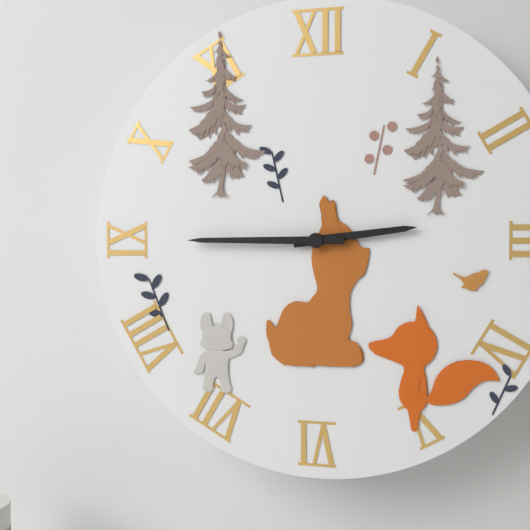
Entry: 2h45
